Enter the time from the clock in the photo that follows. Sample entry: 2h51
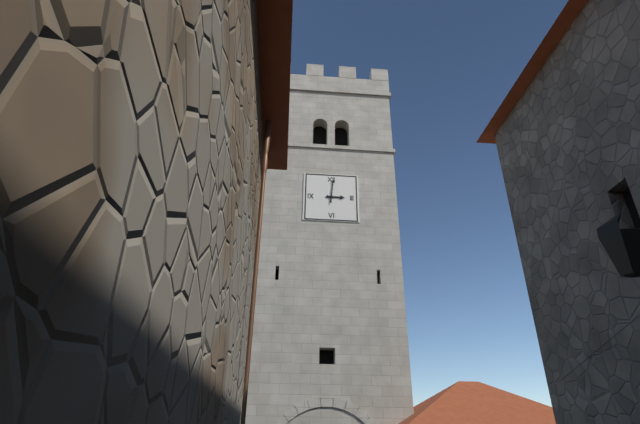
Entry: 3h01
